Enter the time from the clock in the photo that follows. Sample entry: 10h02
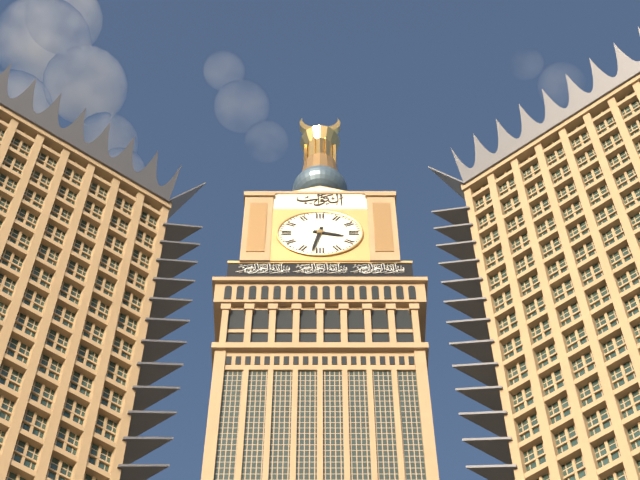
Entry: 3h32
